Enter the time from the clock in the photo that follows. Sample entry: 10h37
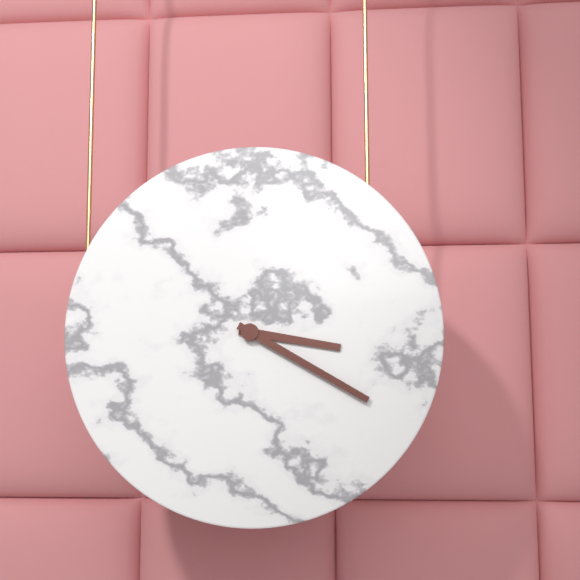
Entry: 3h20
